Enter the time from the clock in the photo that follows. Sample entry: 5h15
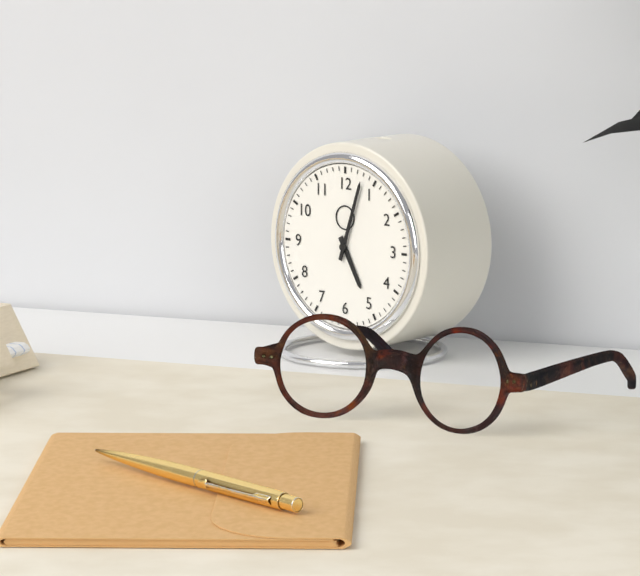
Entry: 5h03
